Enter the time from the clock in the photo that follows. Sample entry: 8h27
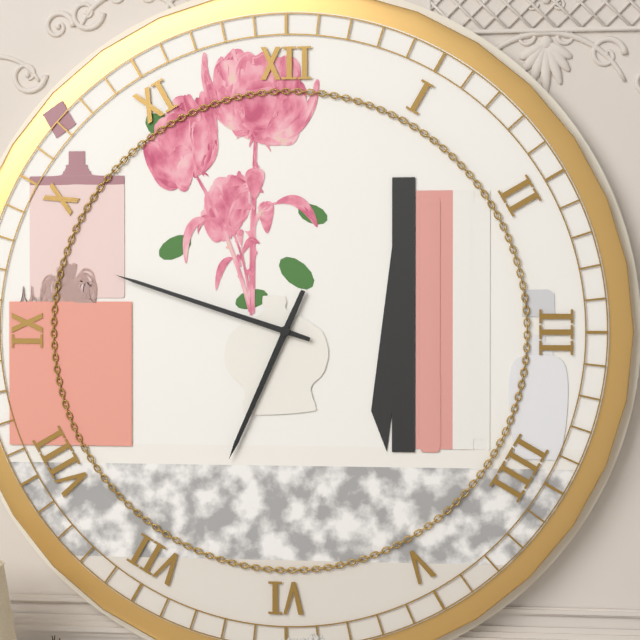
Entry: 6h48
